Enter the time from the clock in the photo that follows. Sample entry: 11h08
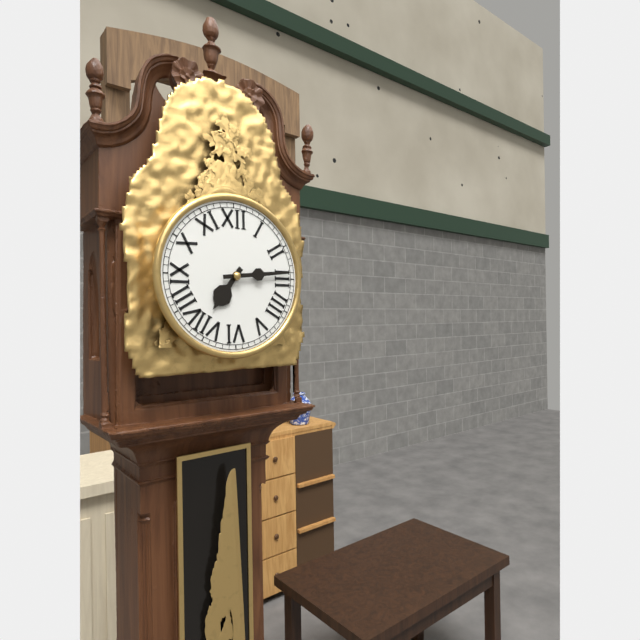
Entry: 7h14
